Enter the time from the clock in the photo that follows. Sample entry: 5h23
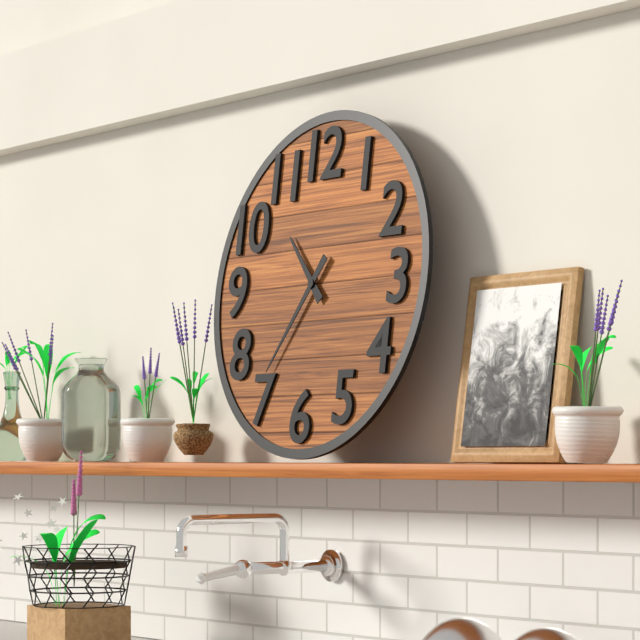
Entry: 10h36
